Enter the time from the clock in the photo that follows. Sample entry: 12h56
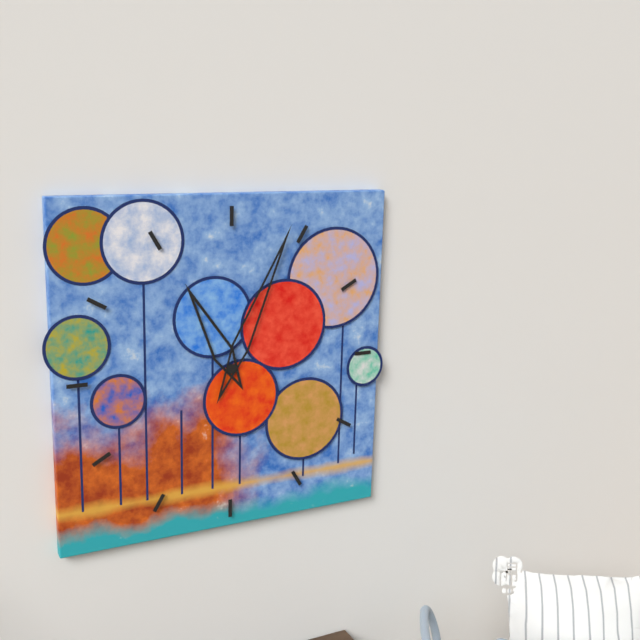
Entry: 11h04
